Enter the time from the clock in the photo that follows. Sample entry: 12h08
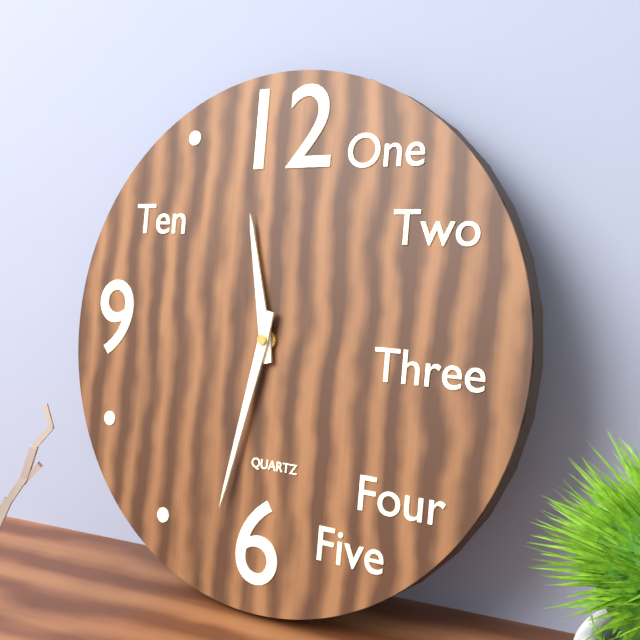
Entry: 11h32
